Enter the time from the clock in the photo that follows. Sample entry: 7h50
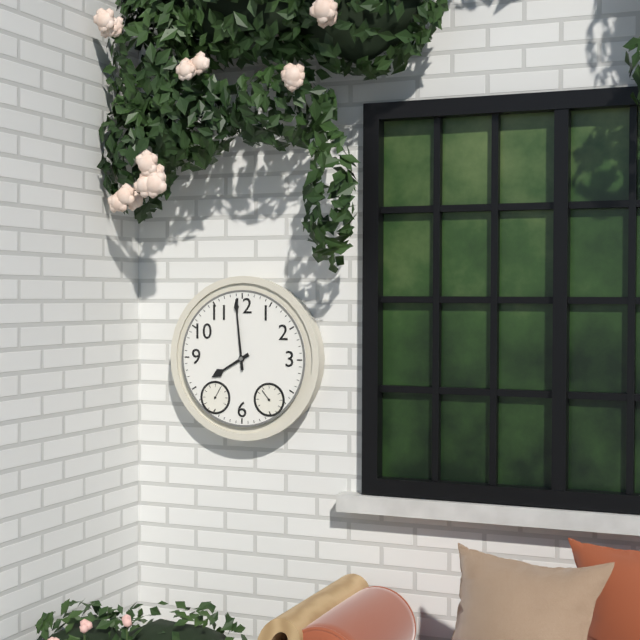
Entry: 7h59
